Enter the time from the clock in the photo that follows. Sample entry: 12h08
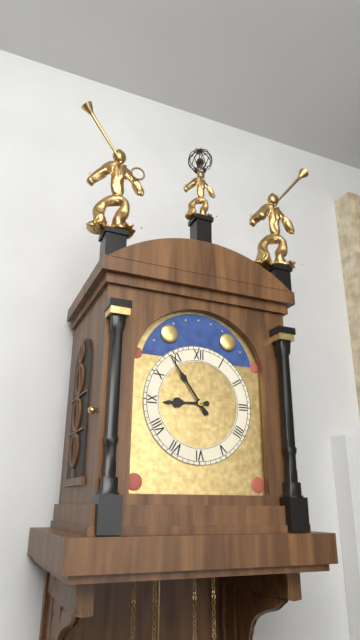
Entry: 8h54
